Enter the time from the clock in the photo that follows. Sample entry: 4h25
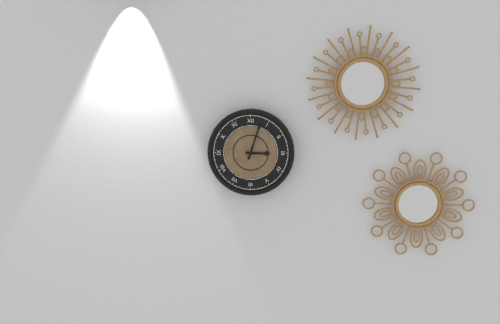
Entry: 3h03
